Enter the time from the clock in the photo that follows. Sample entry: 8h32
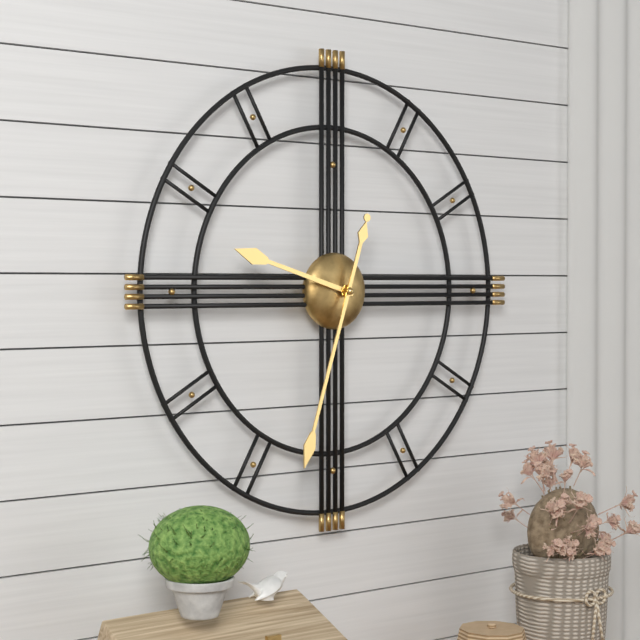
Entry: 9h33
